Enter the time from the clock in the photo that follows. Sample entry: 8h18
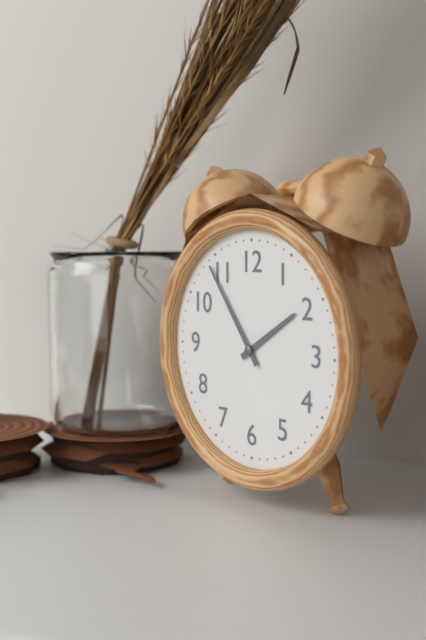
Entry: 1h54
